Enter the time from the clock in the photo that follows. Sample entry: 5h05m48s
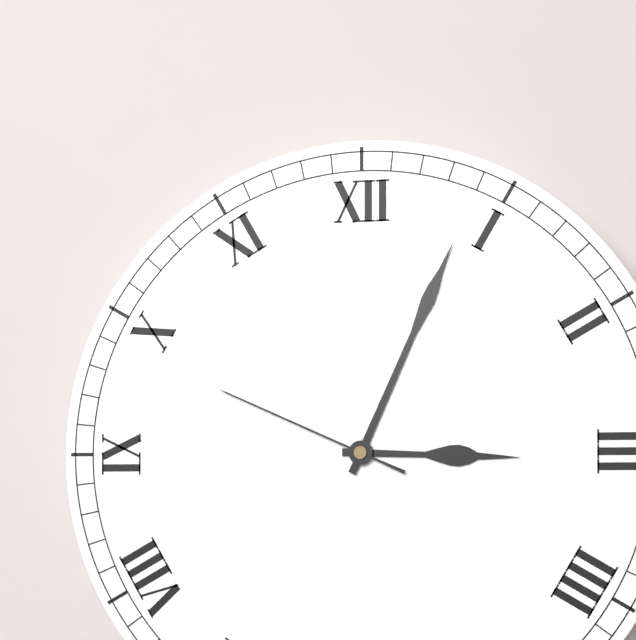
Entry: 3h04m49s
